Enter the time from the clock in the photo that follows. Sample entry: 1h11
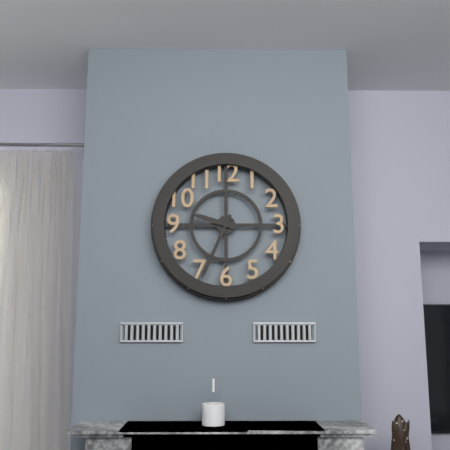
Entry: 9h34
